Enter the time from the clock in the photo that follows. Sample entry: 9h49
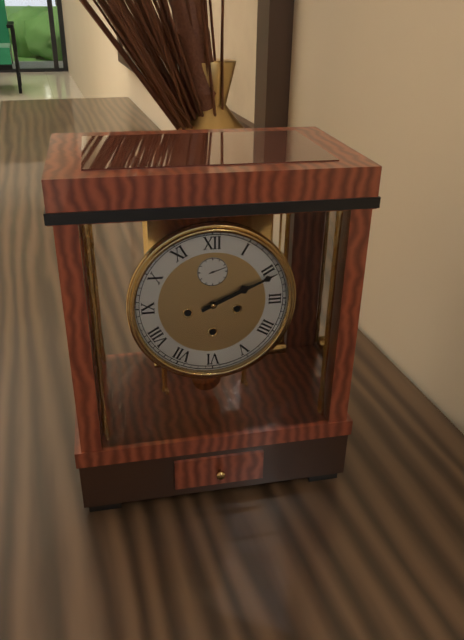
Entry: 2h11
